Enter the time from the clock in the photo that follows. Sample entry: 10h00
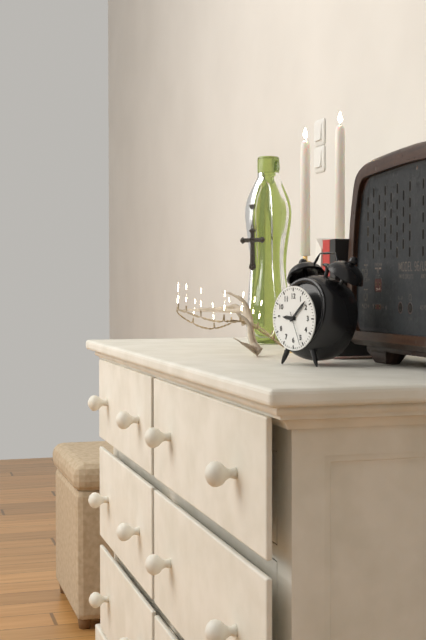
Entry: 9h08
